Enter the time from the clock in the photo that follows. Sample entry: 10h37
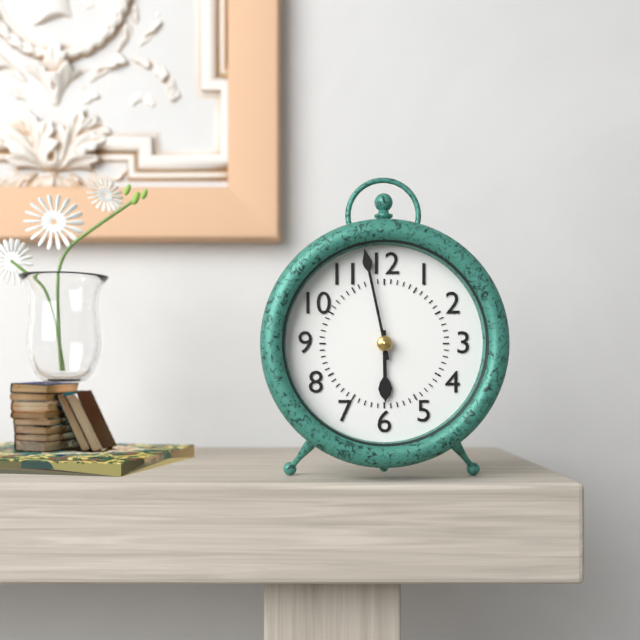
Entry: 5h58
